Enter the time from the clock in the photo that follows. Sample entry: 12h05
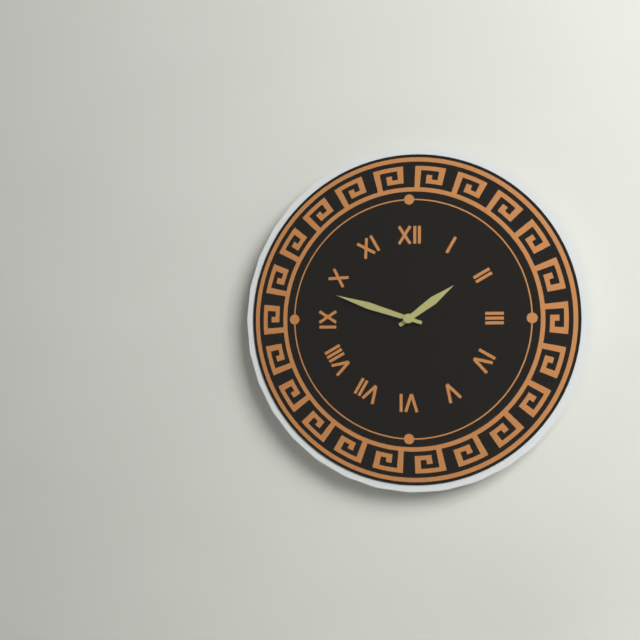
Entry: 1h48
